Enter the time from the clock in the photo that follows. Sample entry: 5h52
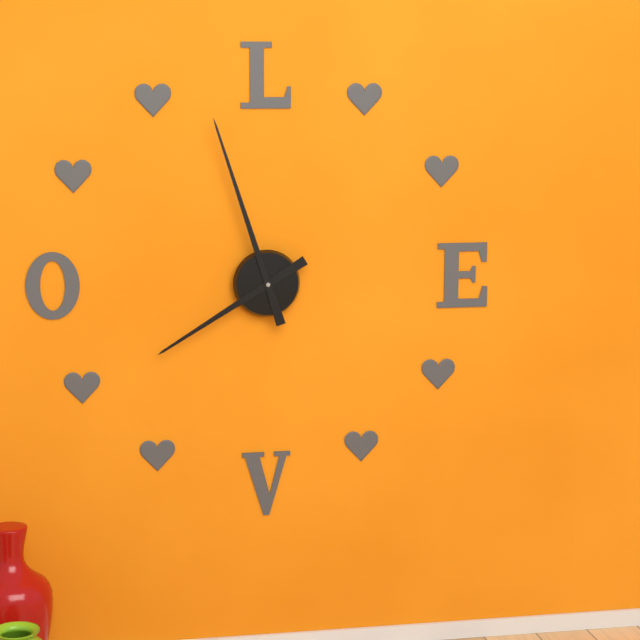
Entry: 7h57
